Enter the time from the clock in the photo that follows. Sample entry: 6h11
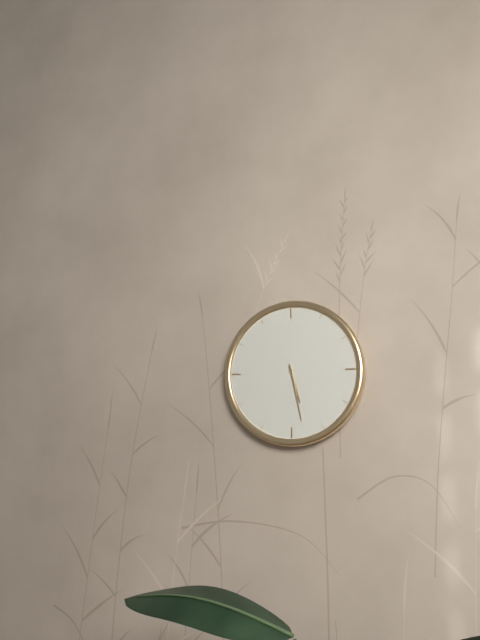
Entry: 5h28
